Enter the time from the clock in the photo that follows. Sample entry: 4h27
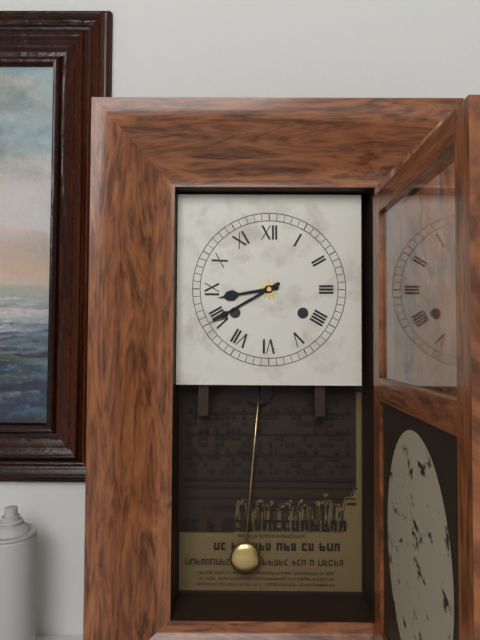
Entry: 8h40
